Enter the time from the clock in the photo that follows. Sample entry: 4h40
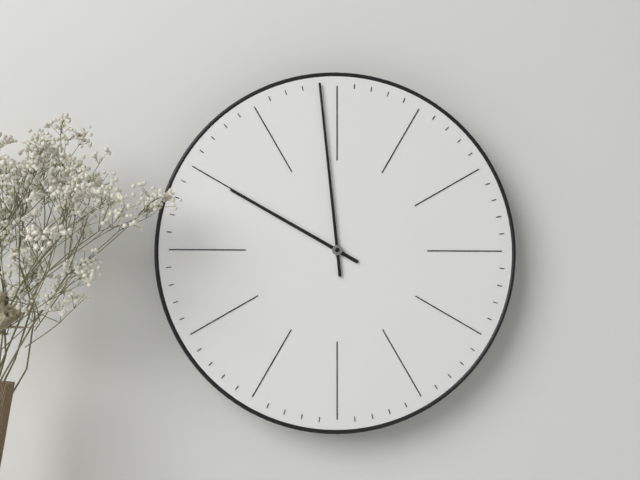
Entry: 9h59
